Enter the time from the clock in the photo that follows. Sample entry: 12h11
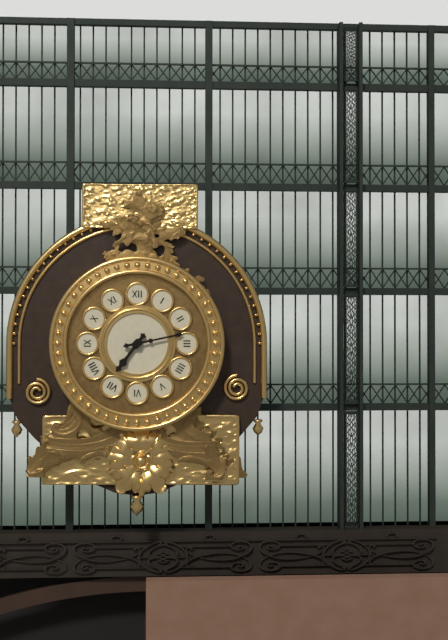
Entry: 7h13
